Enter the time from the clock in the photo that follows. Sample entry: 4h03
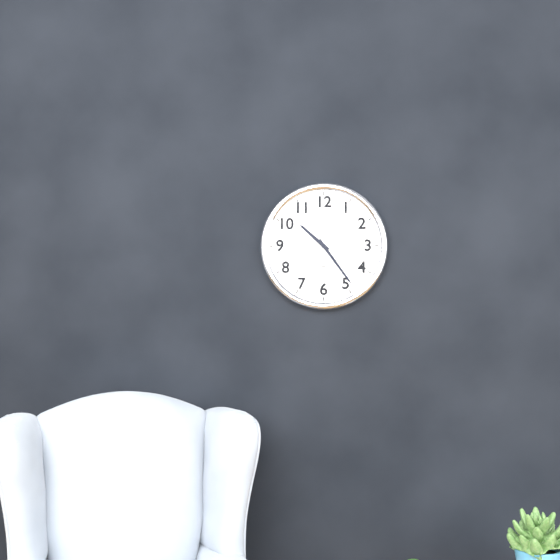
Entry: 10h24
